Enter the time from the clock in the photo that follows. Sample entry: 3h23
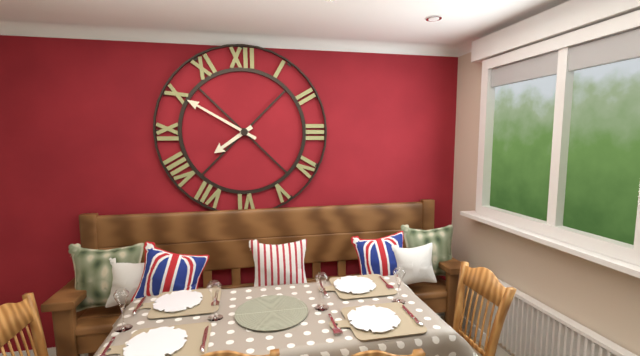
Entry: 7h50
